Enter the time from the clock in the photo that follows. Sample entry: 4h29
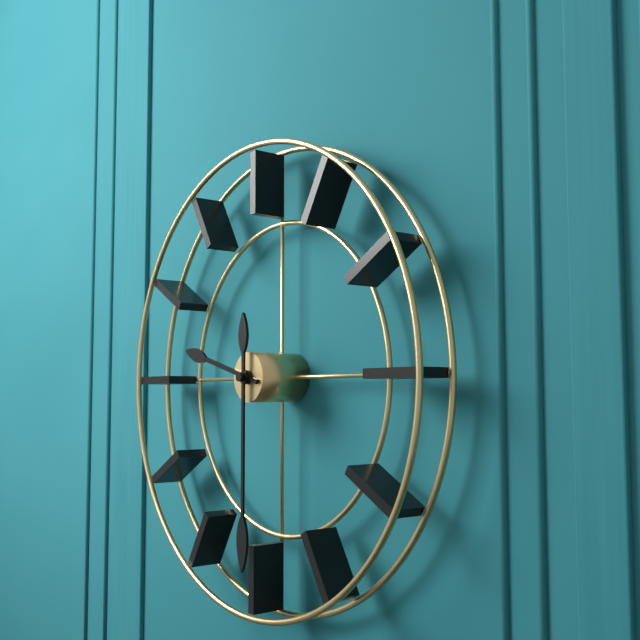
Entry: 9h30
